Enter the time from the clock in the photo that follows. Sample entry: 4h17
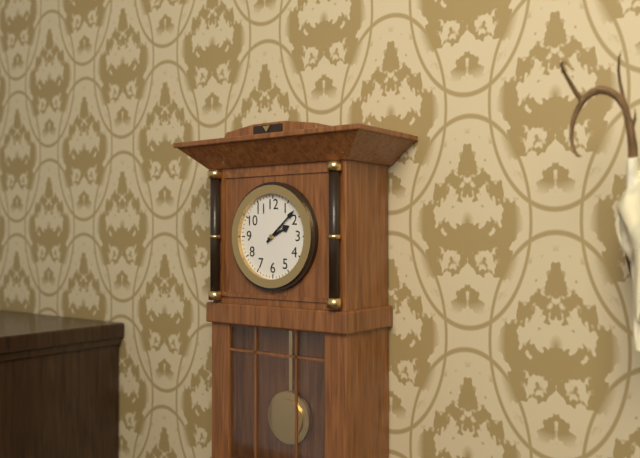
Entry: 2h08
